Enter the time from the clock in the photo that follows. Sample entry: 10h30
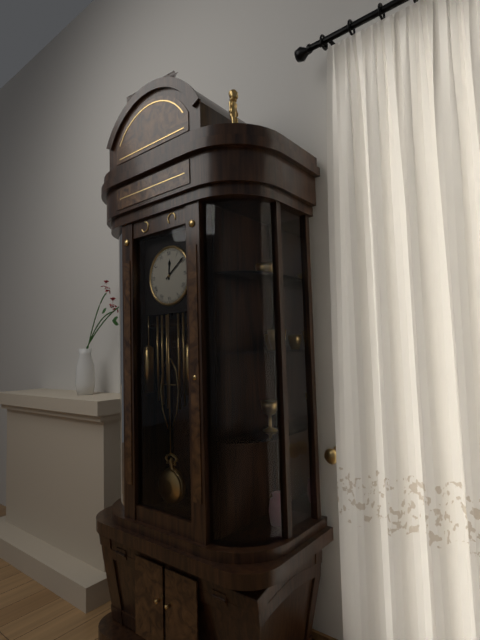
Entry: 12h09
